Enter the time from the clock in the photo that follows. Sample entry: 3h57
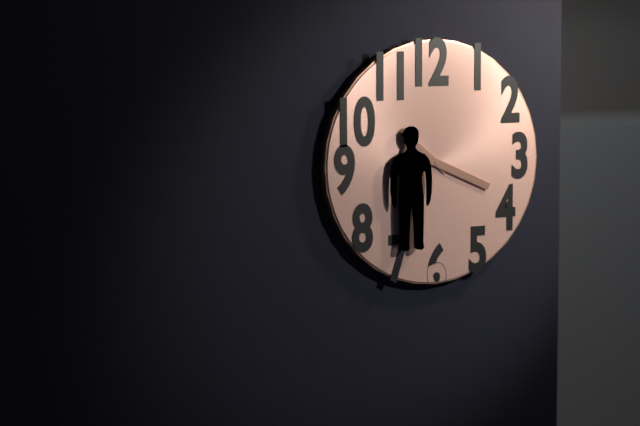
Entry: 10h19
